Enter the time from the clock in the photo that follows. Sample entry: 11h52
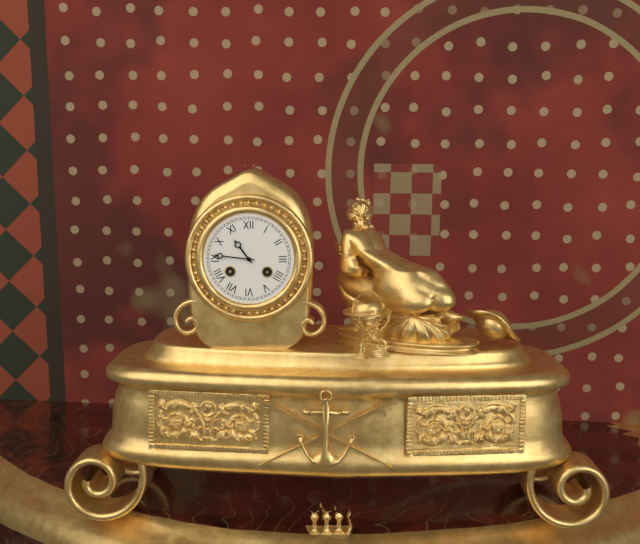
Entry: 10h46
